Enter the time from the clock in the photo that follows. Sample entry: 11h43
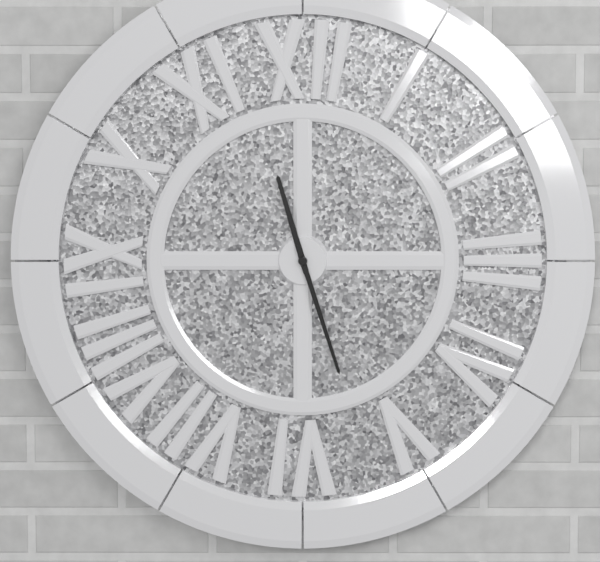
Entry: 11h27
